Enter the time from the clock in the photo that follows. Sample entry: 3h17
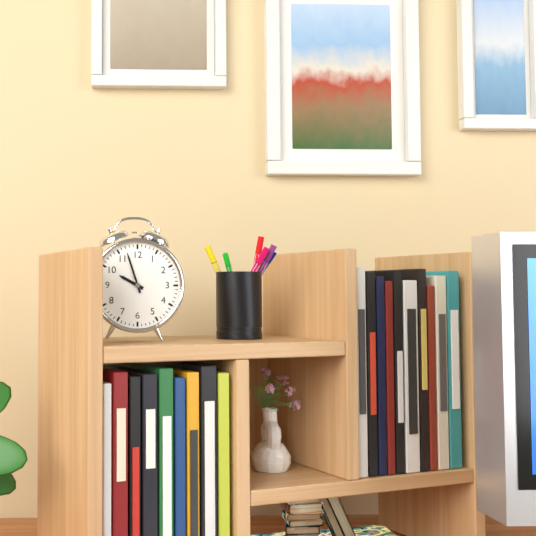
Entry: 9h57
